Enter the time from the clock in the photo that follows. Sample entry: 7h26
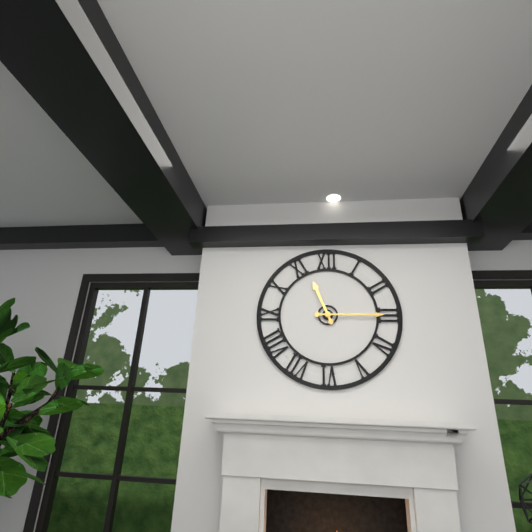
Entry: 11h15
